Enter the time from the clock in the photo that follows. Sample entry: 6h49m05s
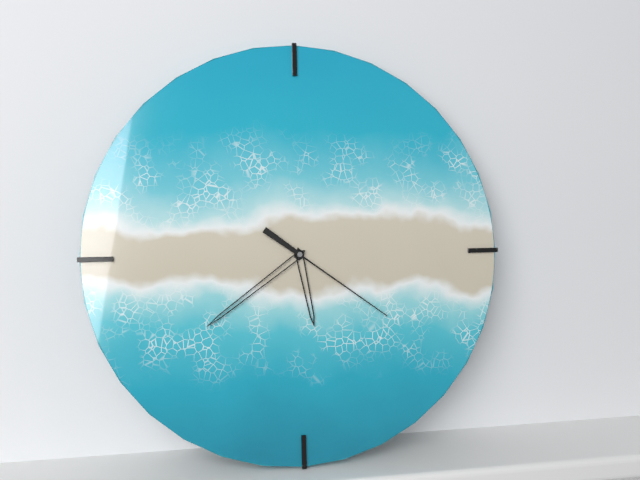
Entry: 5h39m21s
